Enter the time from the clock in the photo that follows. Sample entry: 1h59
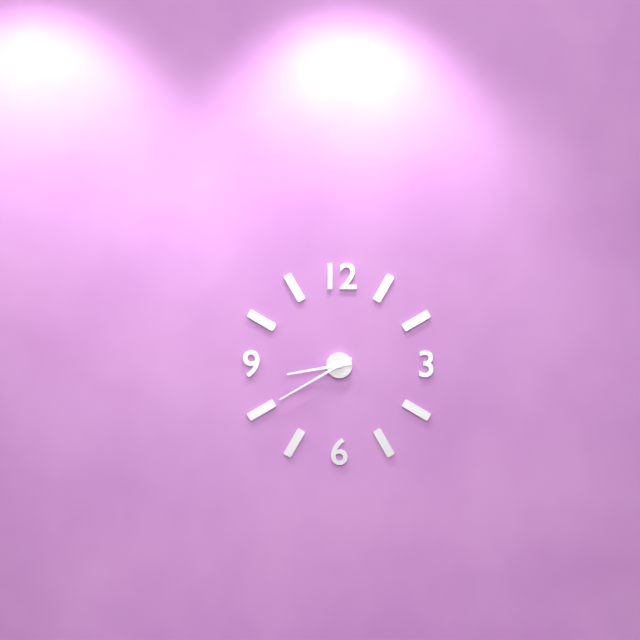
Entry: 8h40
